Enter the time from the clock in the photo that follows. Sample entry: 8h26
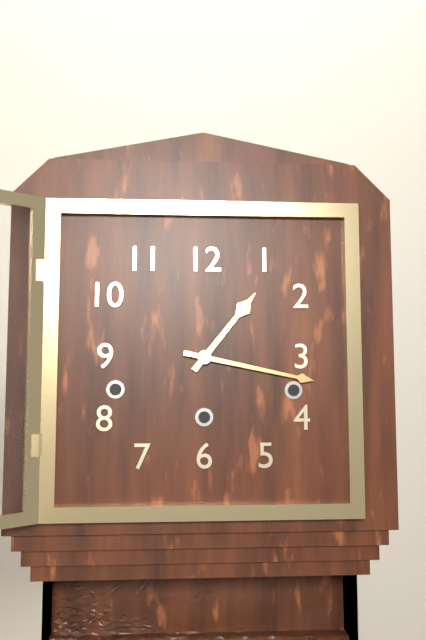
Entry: 1h17
